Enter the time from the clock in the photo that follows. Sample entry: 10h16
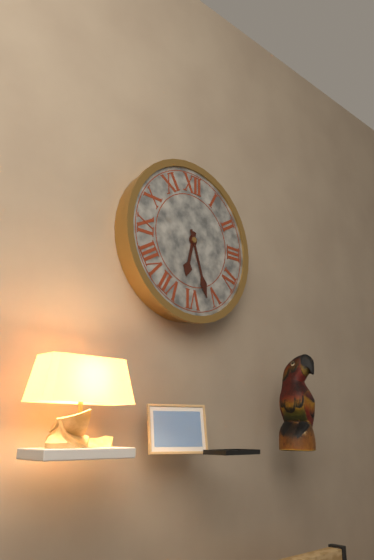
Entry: 6h27
